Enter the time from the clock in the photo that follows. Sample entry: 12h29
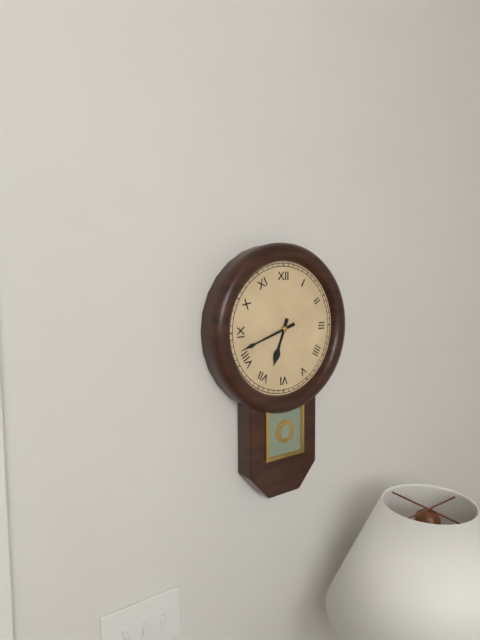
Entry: 6h42
